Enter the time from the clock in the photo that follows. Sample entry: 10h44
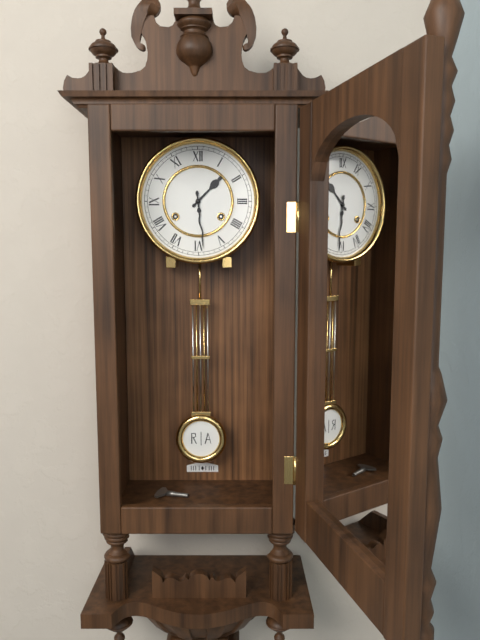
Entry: 1h29
